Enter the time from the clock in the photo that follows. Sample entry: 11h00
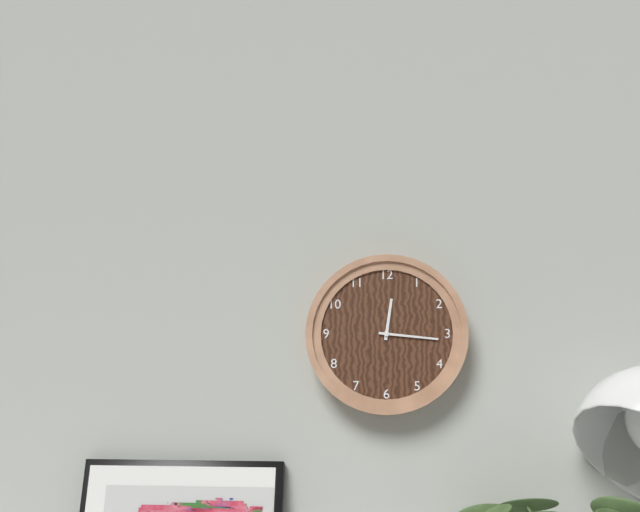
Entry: 12h16
